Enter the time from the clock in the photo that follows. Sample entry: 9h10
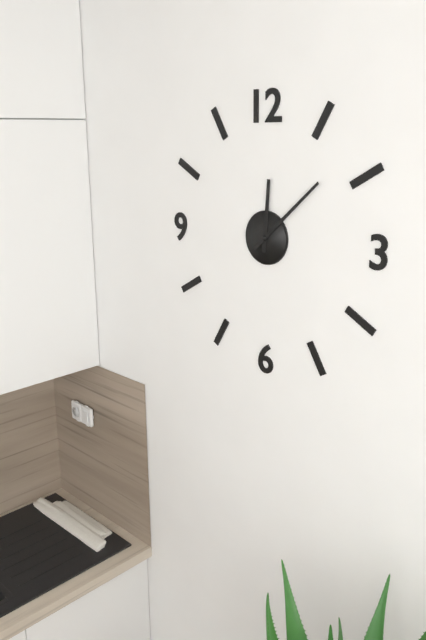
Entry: 12h08
